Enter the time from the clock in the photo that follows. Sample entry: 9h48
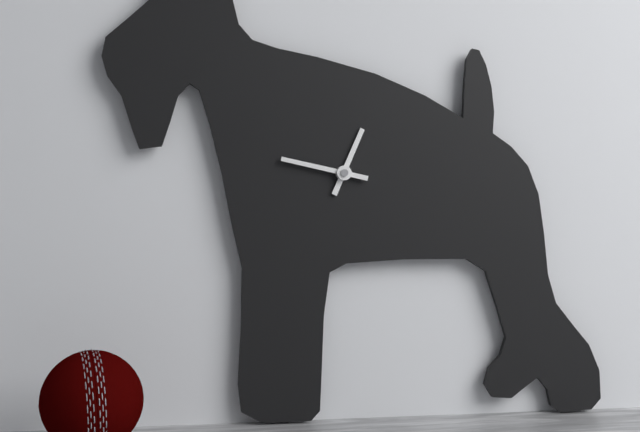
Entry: 12h47
